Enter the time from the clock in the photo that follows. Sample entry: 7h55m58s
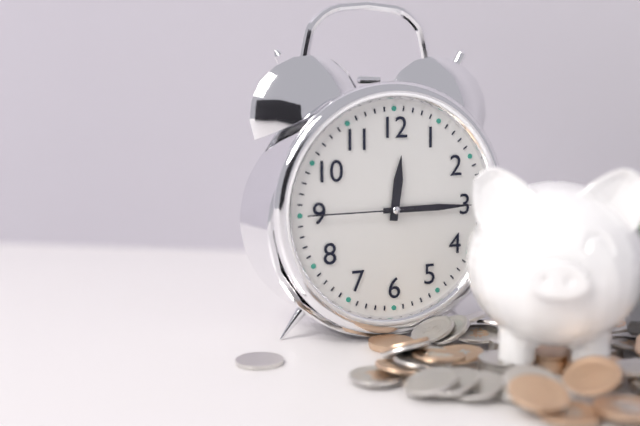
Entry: 12h15m45s
